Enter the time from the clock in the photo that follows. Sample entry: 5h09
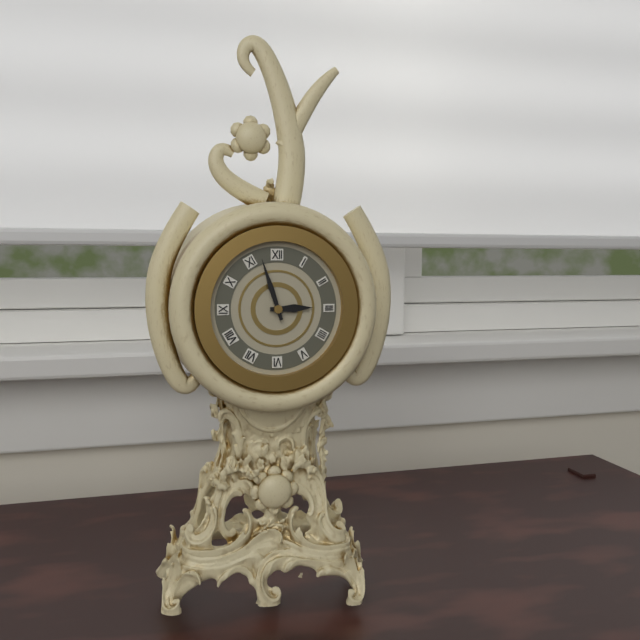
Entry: 2h57
